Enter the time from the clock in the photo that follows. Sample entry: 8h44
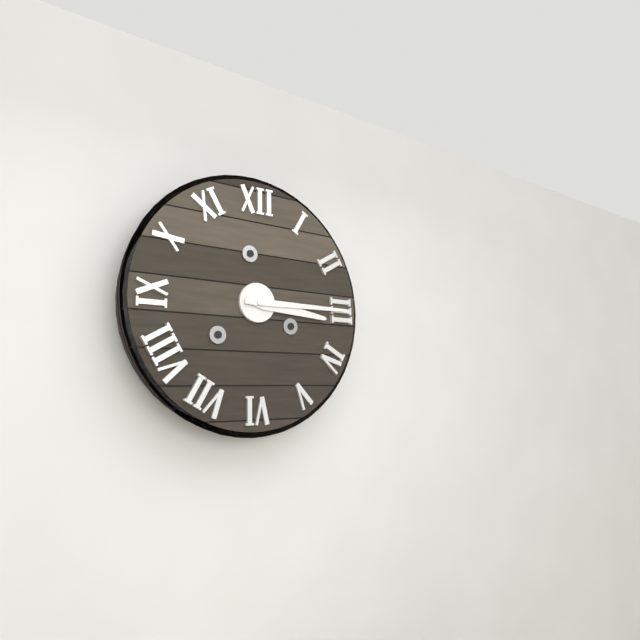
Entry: 3h15
